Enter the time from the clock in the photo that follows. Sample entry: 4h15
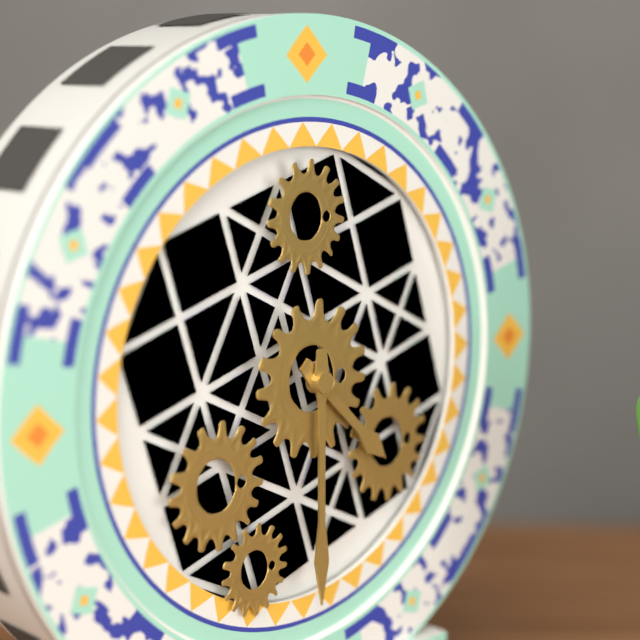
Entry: 4h30
